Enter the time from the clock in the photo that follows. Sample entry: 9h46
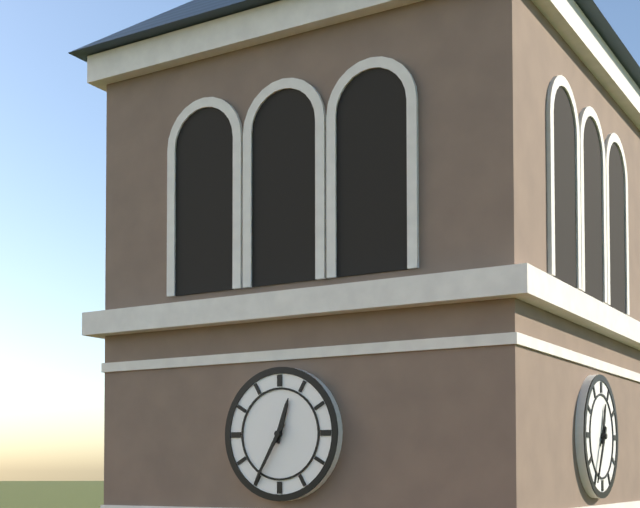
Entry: 12h35
